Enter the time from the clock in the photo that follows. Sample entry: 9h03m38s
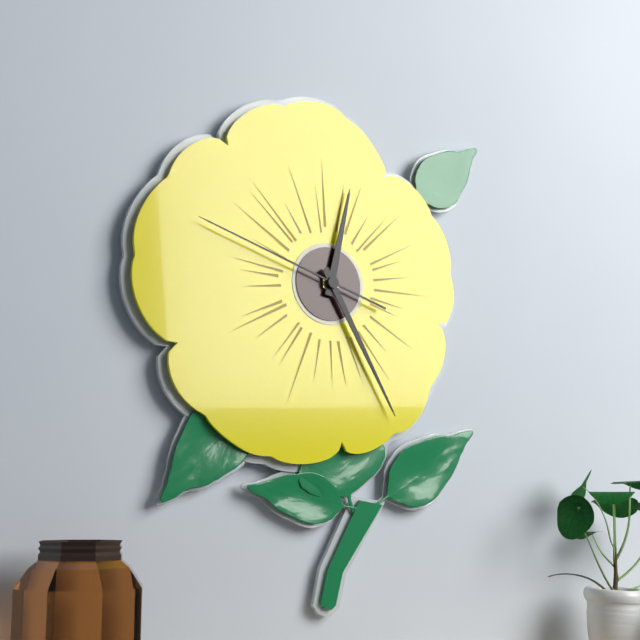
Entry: 12h25m48s
